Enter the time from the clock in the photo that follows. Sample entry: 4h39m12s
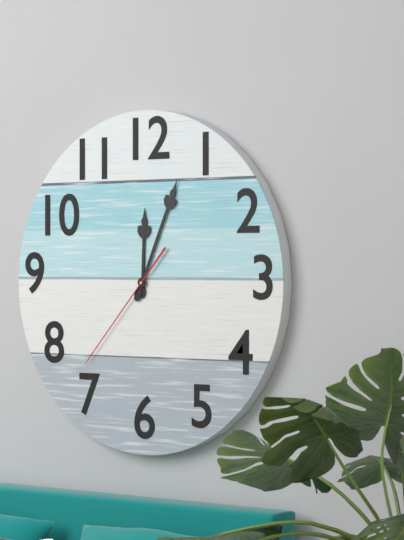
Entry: 12h04m37s
